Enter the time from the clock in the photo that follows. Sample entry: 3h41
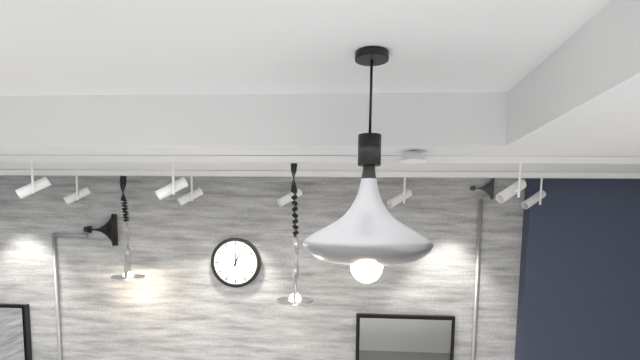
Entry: 12h04
